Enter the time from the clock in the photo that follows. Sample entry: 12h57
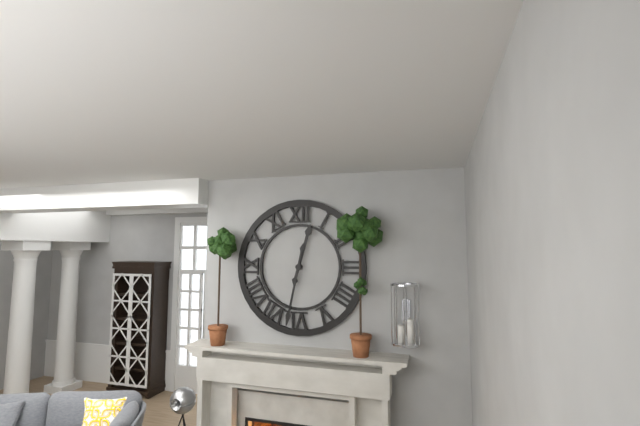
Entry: 12h32
